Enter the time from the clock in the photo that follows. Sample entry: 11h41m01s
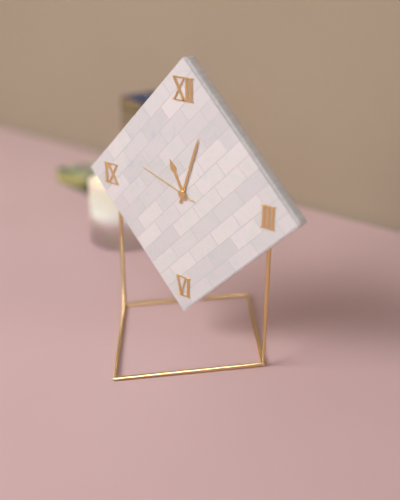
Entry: 11h03m48s
